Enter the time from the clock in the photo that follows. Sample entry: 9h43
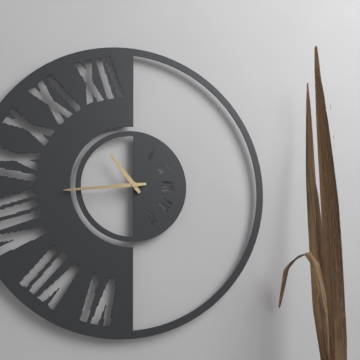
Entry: 10h44
